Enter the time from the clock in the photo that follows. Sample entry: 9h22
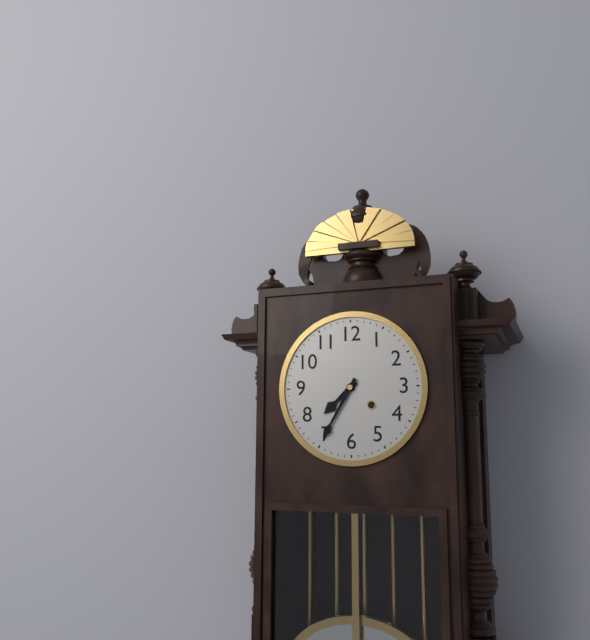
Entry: 7h35
